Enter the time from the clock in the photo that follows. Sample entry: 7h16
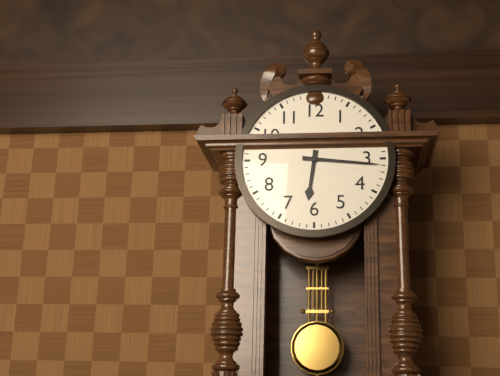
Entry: 6h16
